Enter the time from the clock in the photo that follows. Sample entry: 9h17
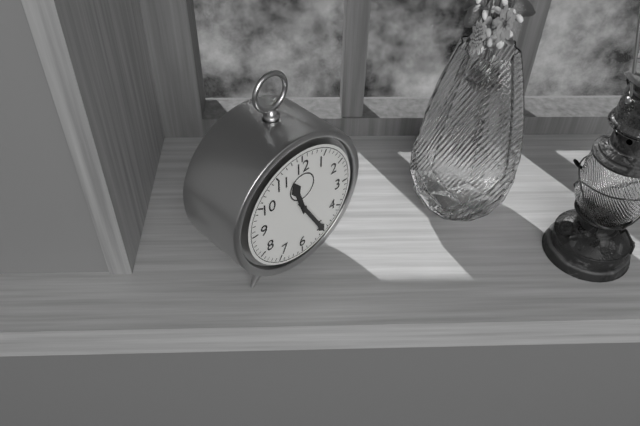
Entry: 11h25
